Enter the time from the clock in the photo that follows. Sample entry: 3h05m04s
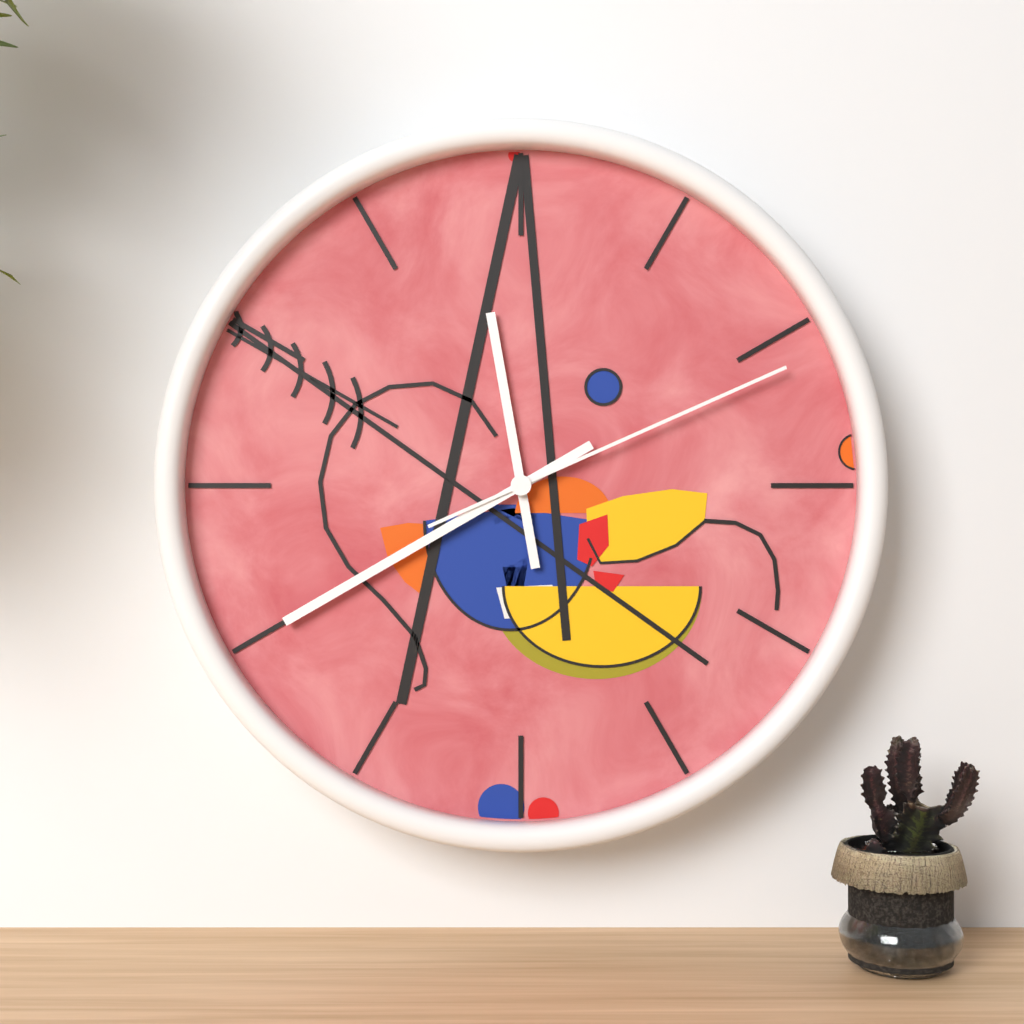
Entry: 11h40m11s
